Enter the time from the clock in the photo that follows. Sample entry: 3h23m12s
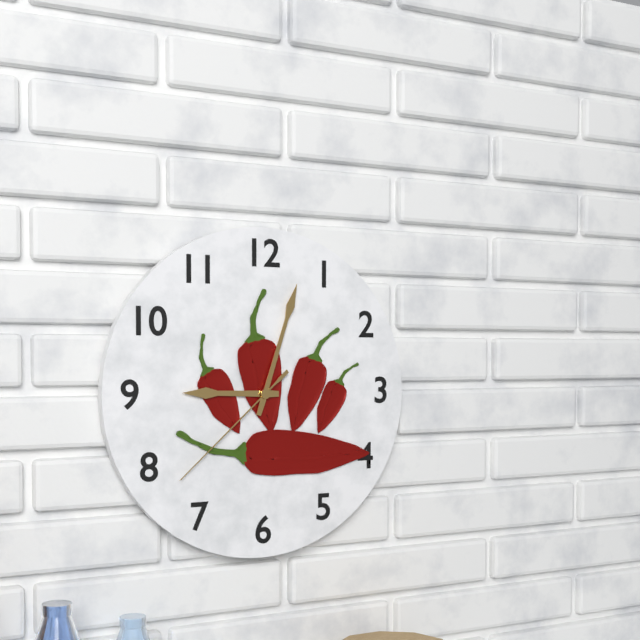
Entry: 9h03m38s
